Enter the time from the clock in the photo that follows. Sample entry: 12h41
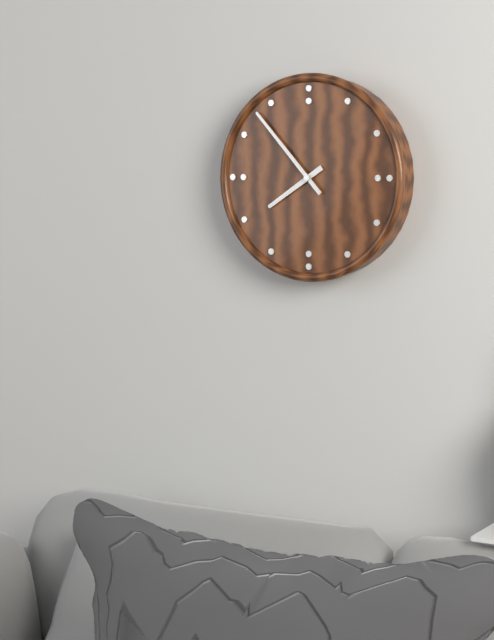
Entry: 7h53
